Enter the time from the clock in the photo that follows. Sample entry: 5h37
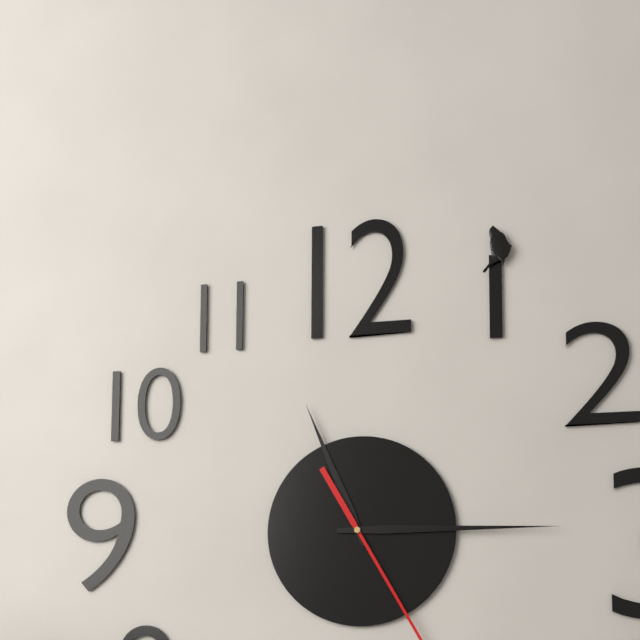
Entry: 11h15
